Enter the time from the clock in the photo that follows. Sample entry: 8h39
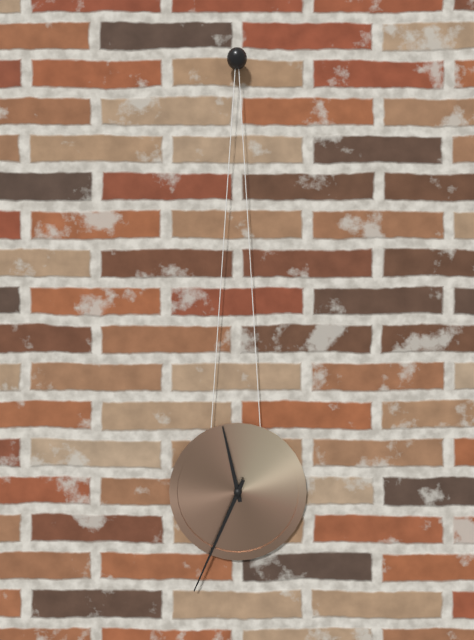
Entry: 11h34
